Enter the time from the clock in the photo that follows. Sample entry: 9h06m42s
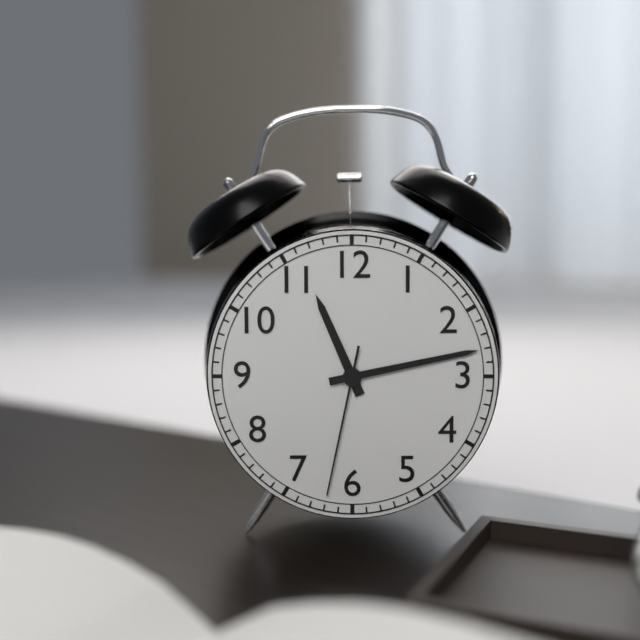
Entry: 11h13m32s
